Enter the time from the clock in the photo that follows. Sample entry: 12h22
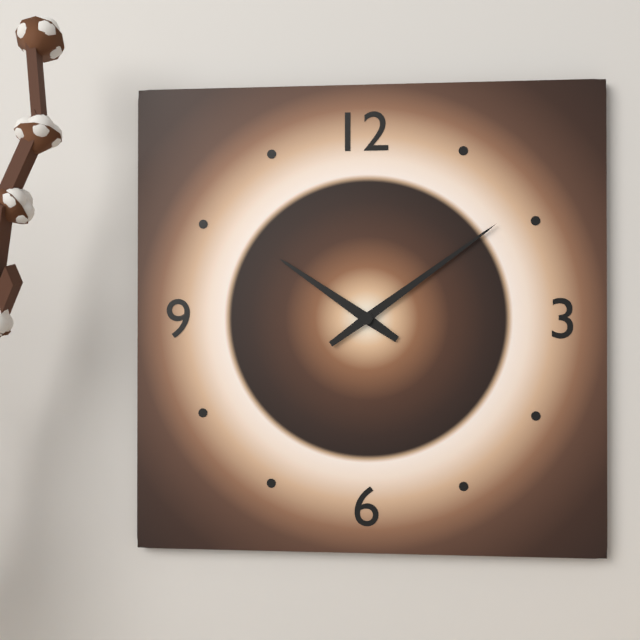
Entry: 10h09
